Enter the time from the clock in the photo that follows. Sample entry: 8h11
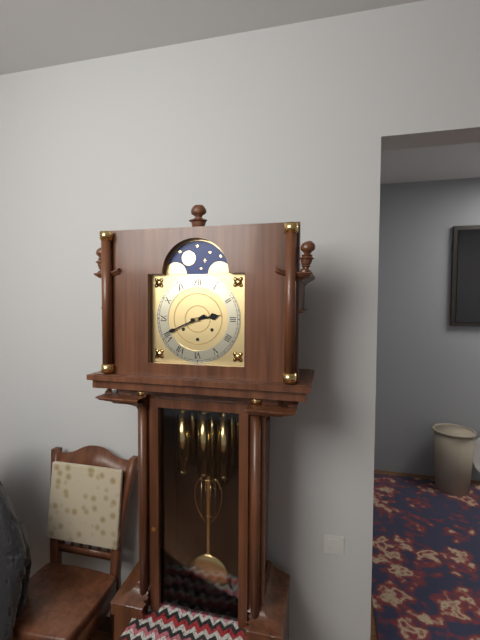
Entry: 2h41
